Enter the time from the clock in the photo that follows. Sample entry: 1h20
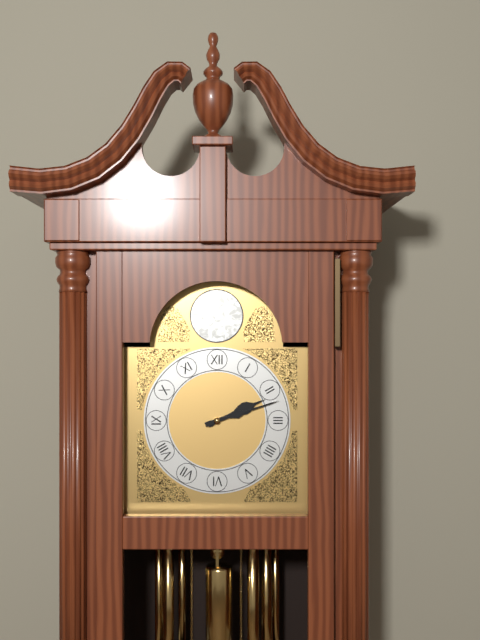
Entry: 2h12
